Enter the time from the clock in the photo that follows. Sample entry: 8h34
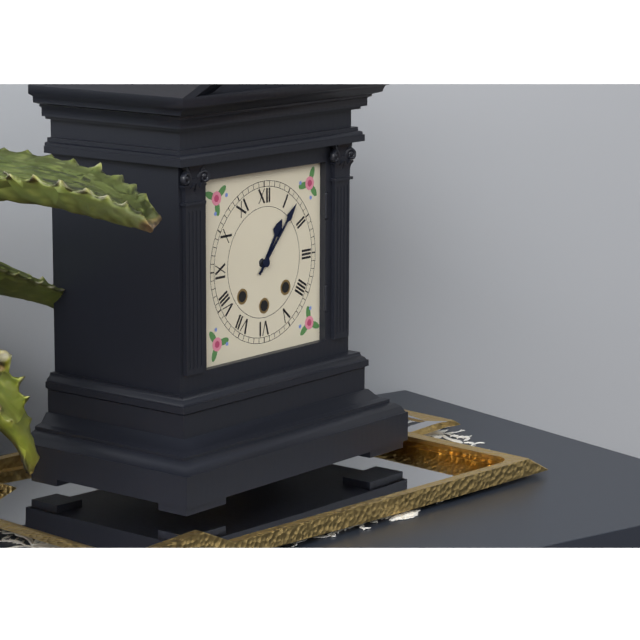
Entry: 1h07
